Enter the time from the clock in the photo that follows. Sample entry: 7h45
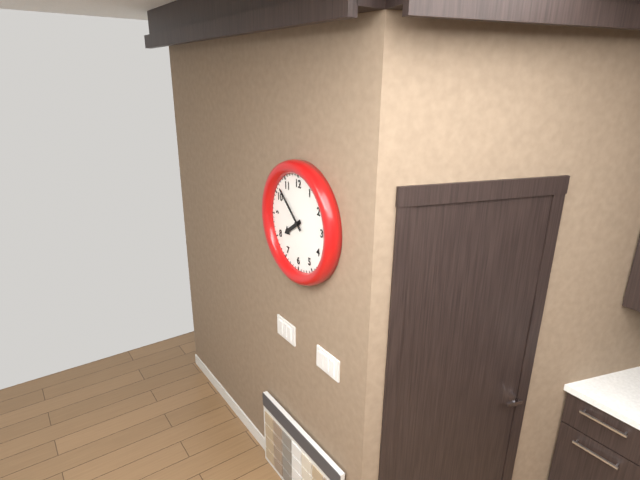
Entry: 7h52
